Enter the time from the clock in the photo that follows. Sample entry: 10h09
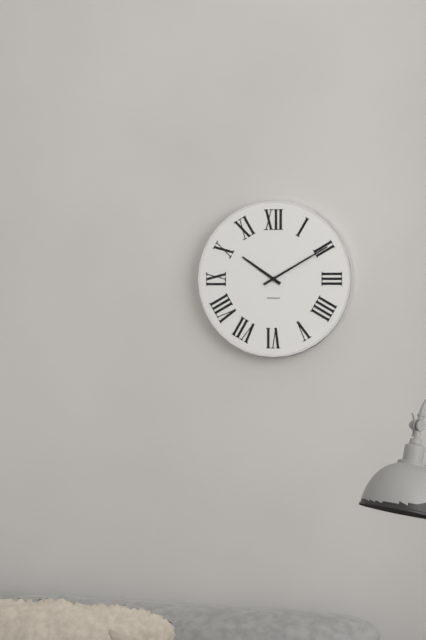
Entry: 10h10
